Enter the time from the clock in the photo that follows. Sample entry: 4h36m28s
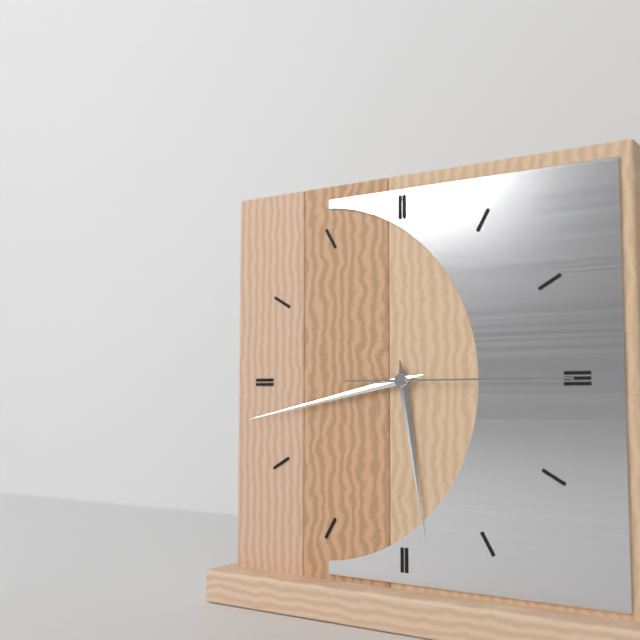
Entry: 5h43m15s
